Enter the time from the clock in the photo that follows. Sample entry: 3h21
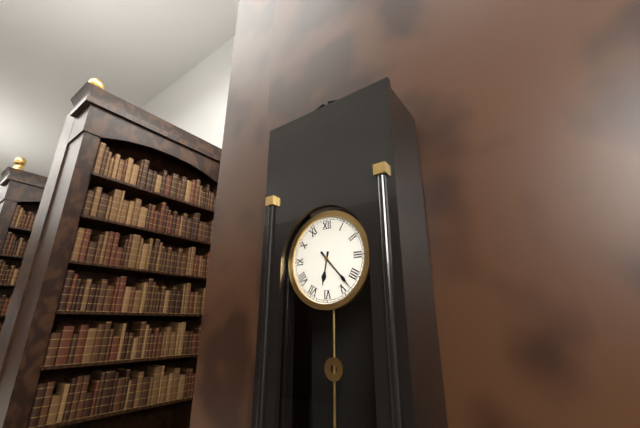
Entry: 6h23
